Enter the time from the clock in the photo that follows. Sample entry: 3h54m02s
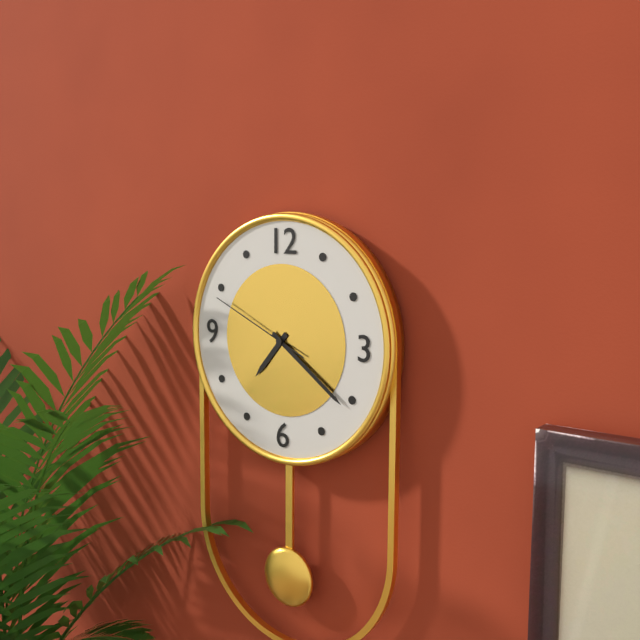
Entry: 7h21m49s
